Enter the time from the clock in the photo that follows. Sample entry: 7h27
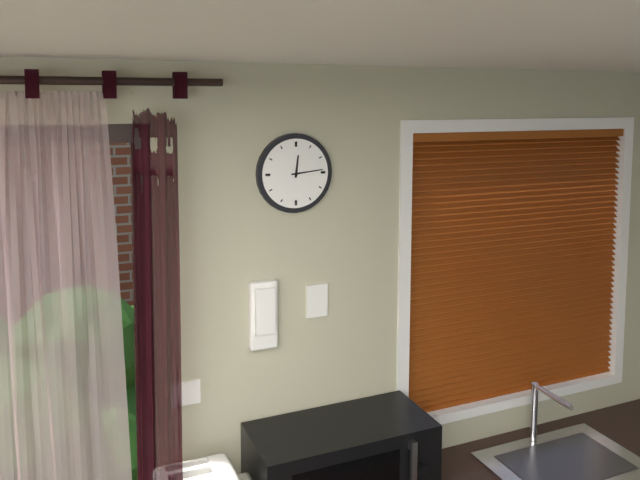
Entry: 12h14
